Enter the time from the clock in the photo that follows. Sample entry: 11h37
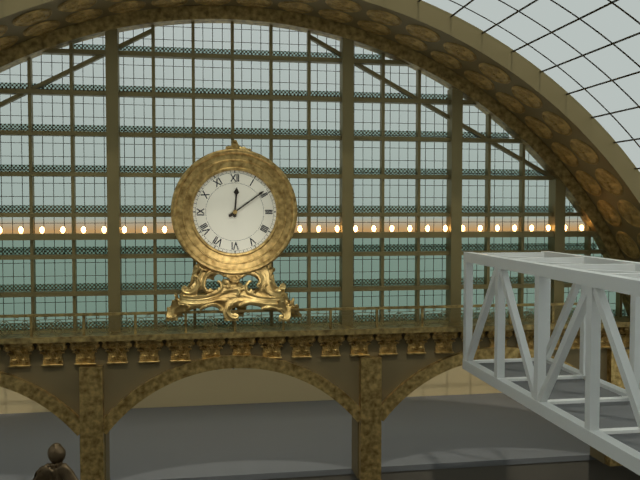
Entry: 12h09
